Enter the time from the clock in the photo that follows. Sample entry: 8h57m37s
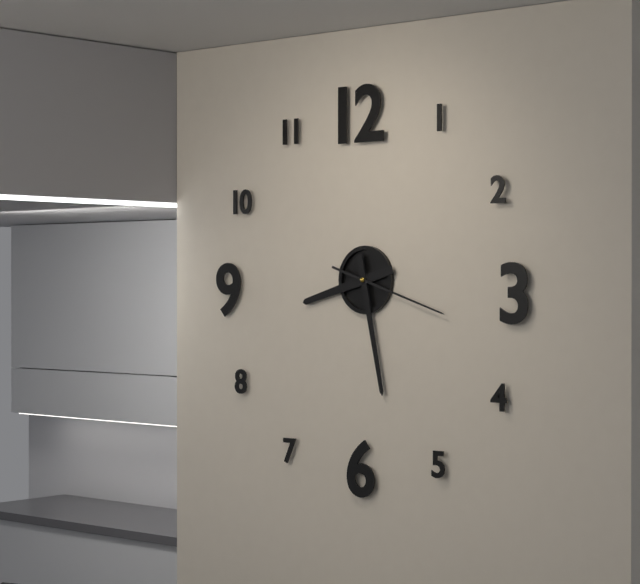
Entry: 8h28m18s
